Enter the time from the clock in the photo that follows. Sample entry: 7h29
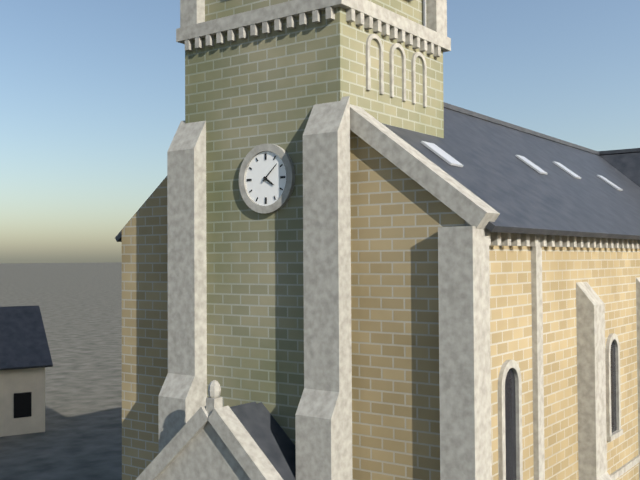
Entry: 4h08
